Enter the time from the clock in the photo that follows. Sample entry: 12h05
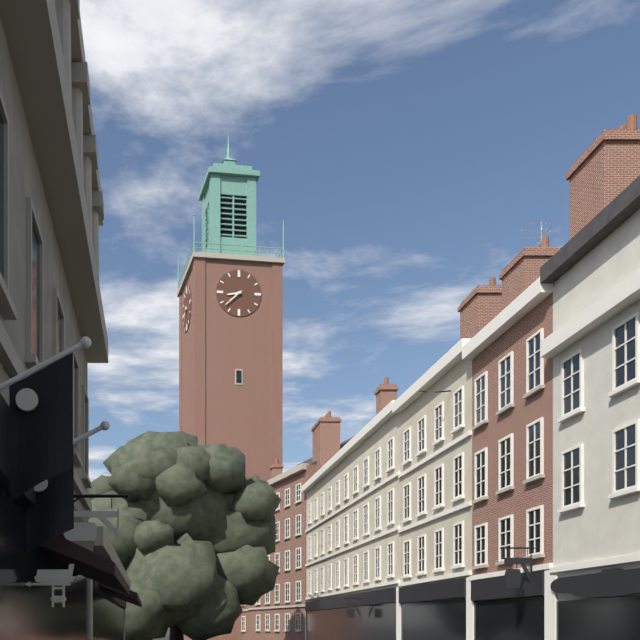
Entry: 8h38
